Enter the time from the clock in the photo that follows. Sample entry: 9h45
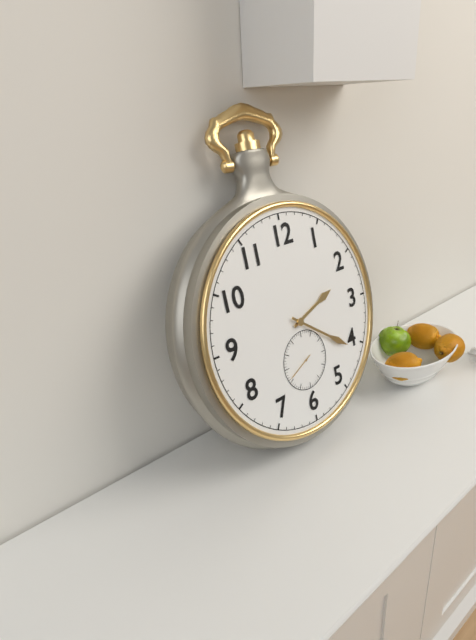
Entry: 2h21
